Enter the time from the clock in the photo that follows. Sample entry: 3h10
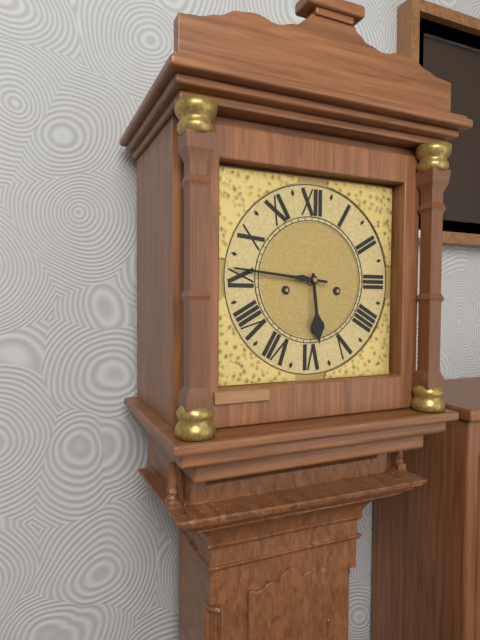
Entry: 5h46
